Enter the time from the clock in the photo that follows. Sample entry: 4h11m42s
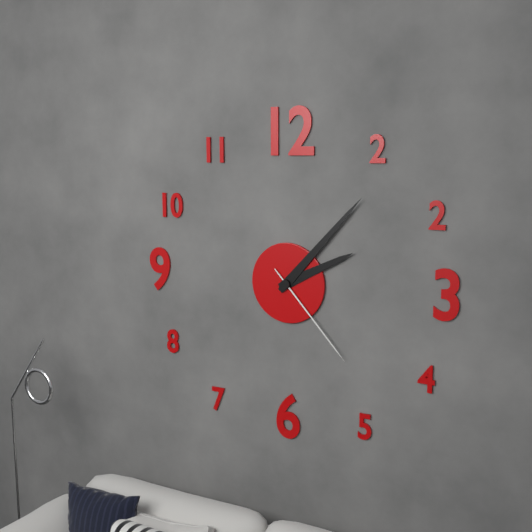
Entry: 2h07m23s
